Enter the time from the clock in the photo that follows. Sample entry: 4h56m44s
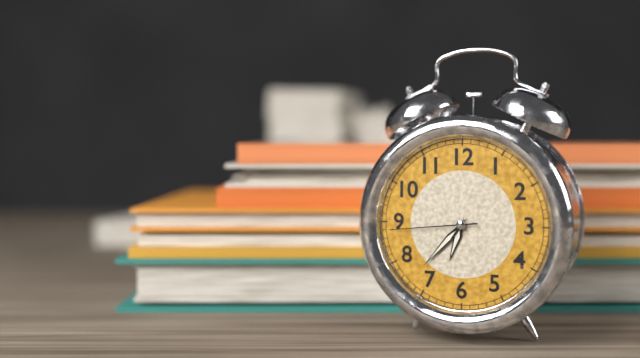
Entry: 6h37m44s
